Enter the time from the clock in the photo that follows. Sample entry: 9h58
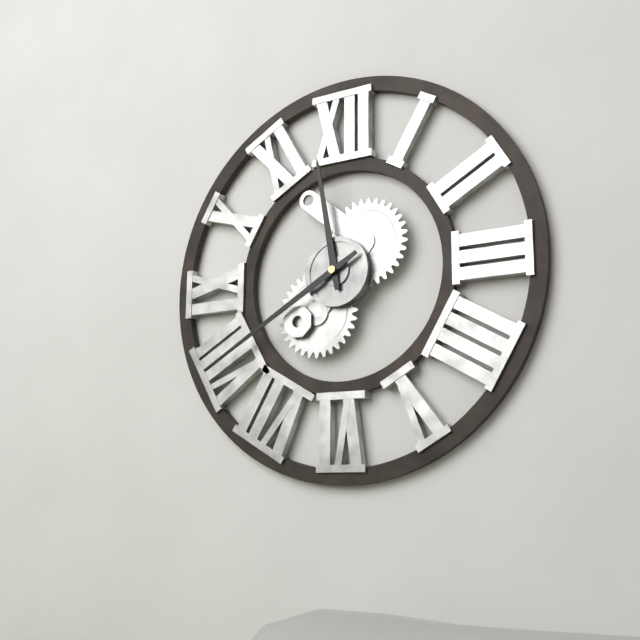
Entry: 11h40
